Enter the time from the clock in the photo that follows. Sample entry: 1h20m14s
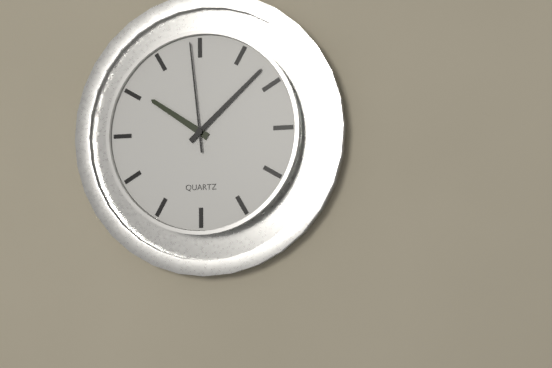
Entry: 10h08m59s
